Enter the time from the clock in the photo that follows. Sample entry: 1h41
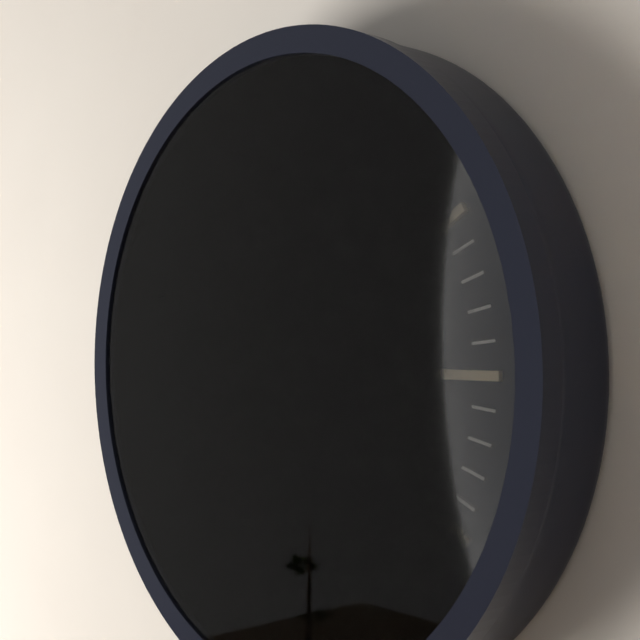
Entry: 9h59
